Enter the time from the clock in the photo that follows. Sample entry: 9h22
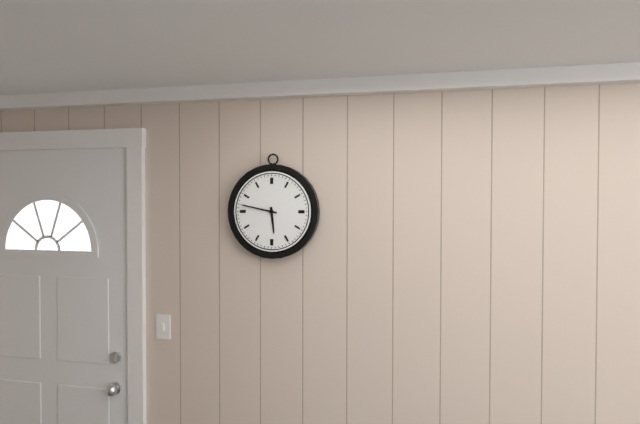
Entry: 5h47
